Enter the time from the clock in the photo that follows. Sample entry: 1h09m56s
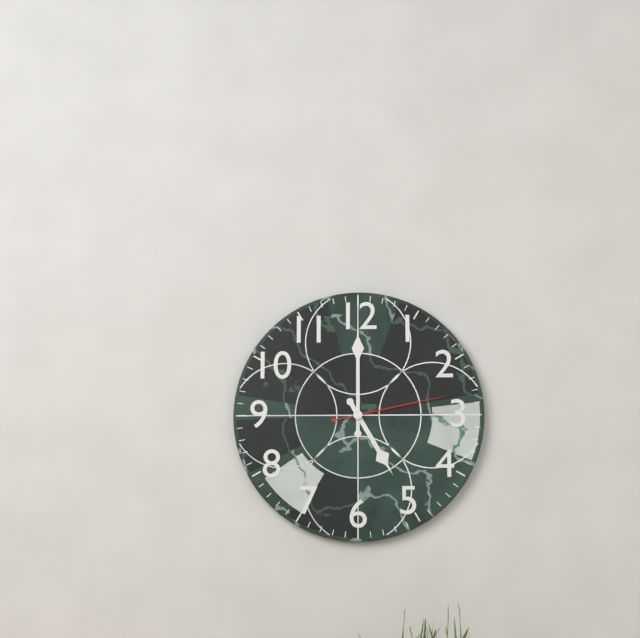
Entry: 5h00m13s
